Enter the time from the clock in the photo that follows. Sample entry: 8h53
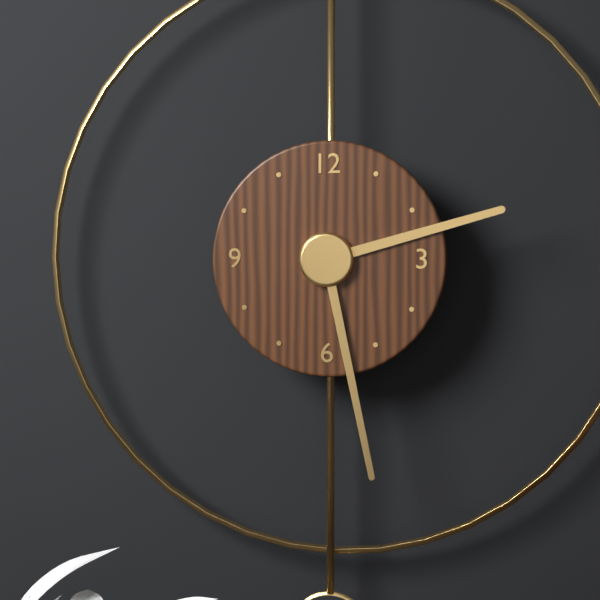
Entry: 2h28
